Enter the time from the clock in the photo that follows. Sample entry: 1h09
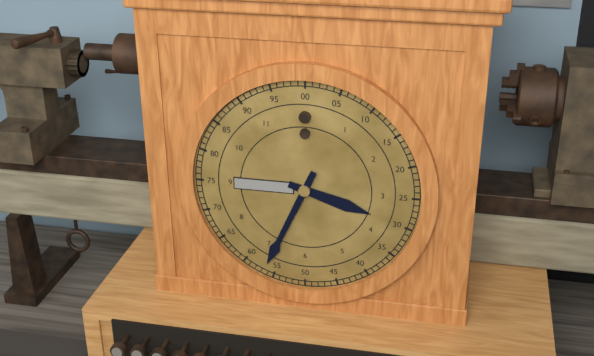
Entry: 3h34
